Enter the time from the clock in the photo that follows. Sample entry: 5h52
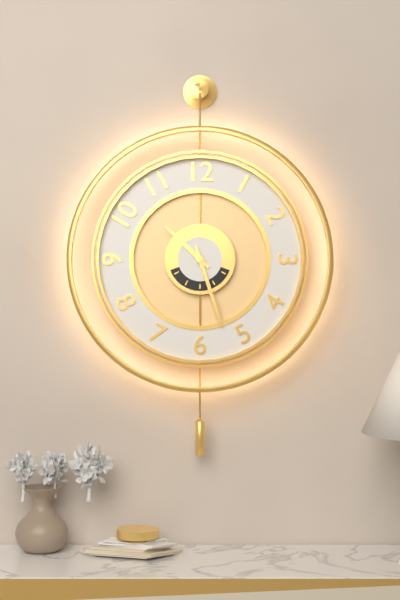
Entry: 10h27
